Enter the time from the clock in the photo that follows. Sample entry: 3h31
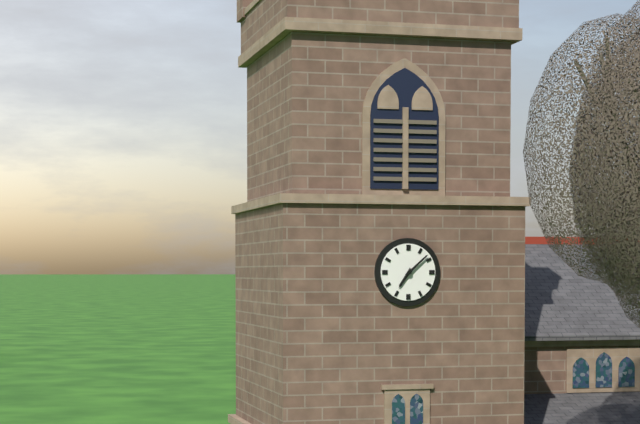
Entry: 7h08
